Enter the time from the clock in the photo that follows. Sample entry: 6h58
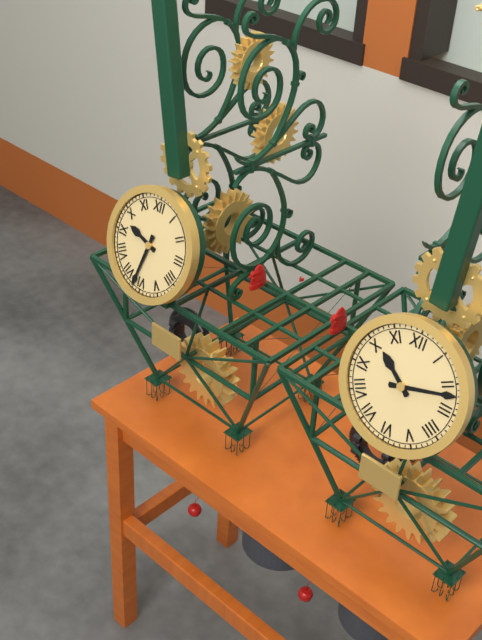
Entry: 9h32
